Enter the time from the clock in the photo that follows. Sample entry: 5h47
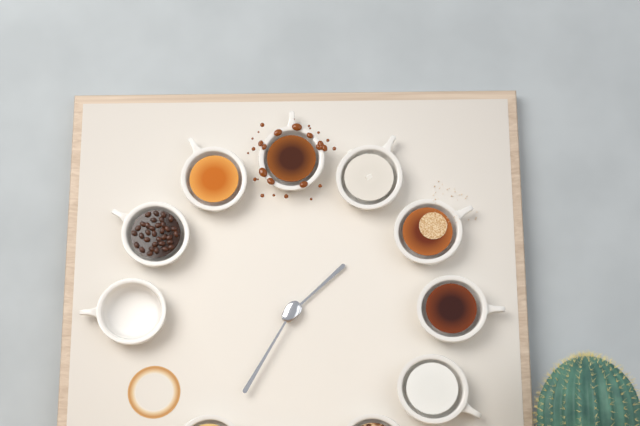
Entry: 1h35
